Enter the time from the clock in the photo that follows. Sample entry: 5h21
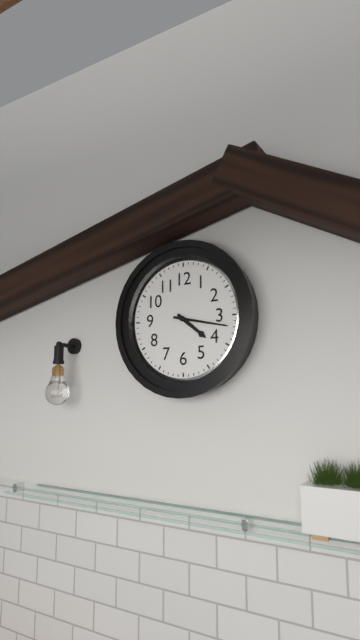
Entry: 4h17
